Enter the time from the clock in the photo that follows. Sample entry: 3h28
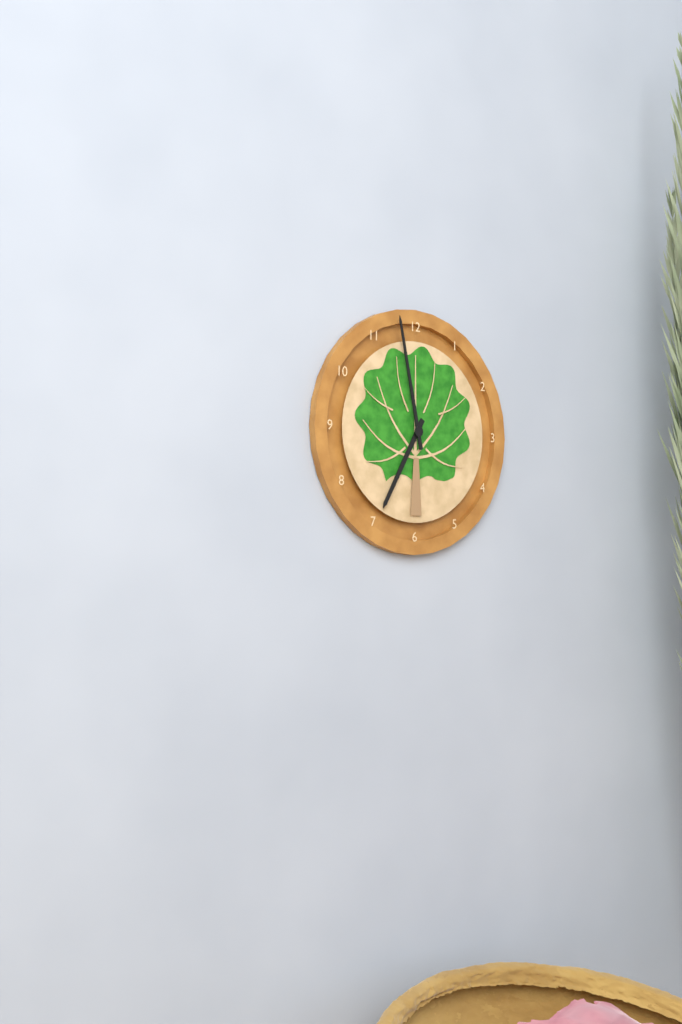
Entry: 6h58
